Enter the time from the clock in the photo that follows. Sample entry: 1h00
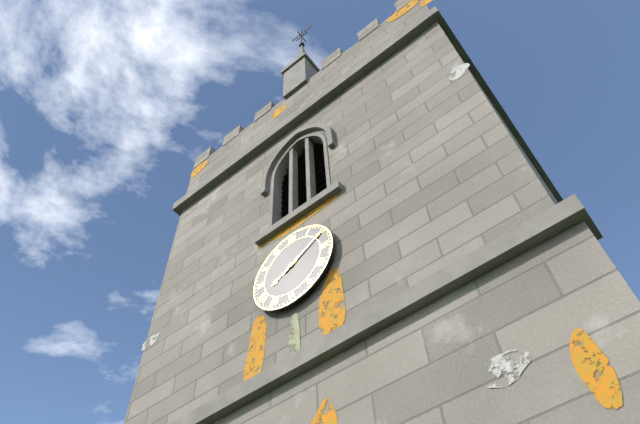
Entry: 8h10
